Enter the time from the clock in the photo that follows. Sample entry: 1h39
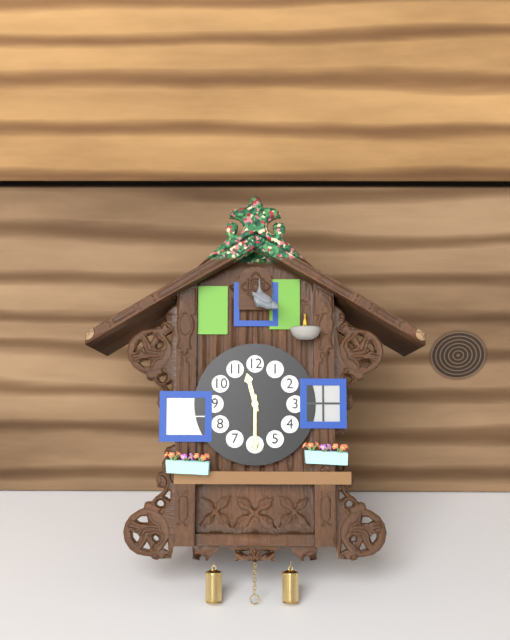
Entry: 11h30
